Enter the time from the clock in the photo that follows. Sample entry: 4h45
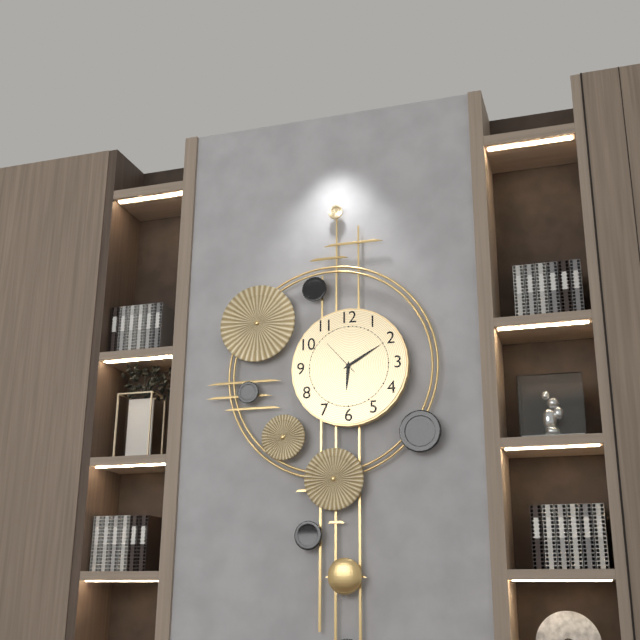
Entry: 6h10
